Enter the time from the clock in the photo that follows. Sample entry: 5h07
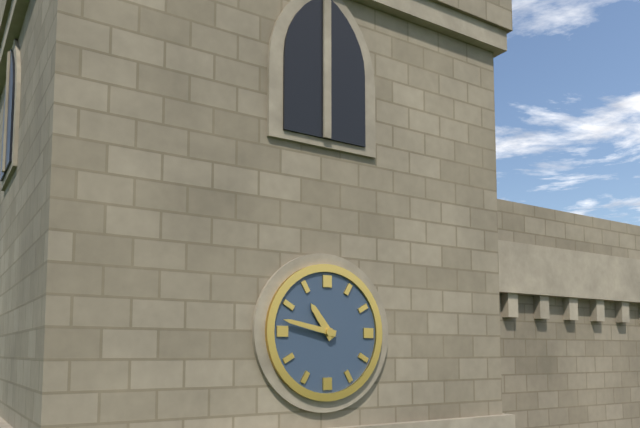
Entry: 10h47
